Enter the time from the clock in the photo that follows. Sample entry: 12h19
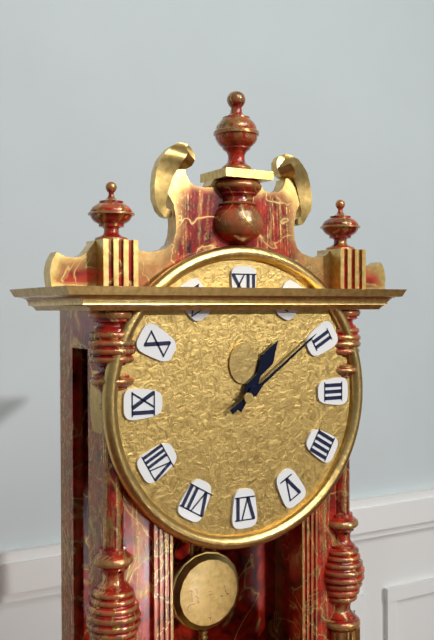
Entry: 1h09
